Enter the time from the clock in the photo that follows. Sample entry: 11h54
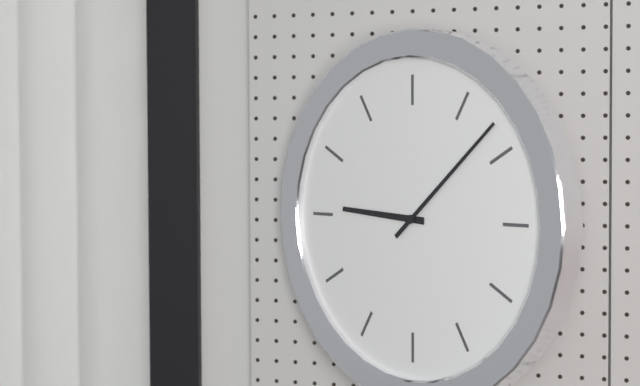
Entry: 9h08
